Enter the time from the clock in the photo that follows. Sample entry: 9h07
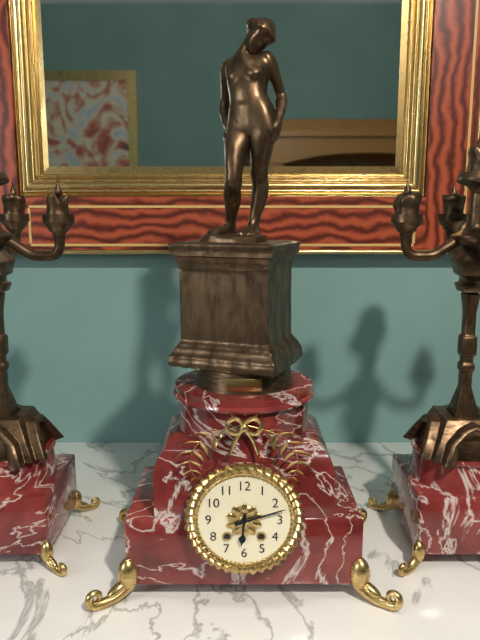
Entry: 6h12
